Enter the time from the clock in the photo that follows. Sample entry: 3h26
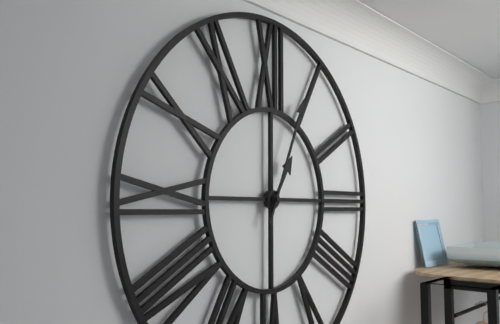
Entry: 1h04
